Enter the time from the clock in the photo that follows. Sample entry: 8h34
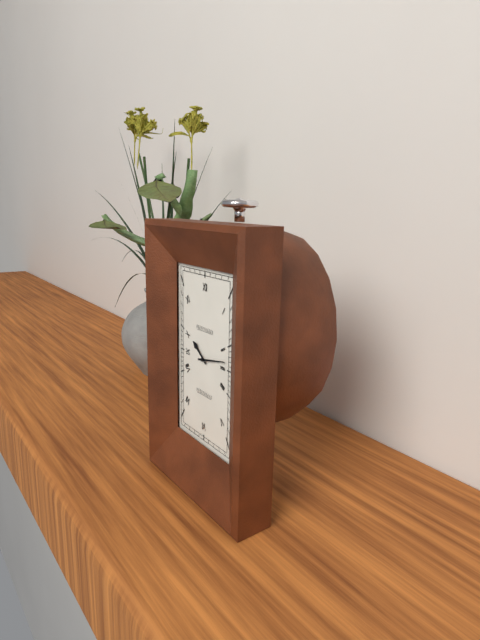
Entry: 10h13
